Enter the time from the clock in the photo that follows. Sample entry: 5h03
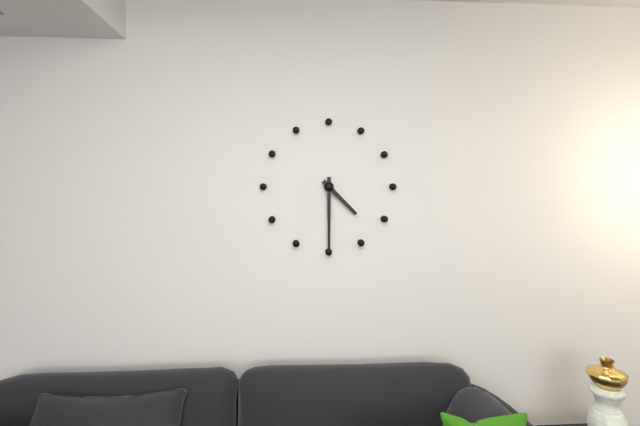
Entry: 4h30
